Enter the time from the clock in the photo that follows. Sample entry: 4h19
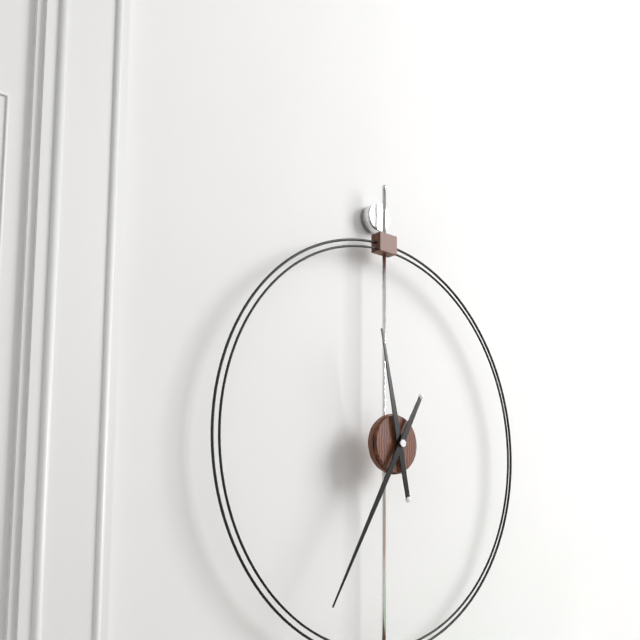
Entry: 11h35
